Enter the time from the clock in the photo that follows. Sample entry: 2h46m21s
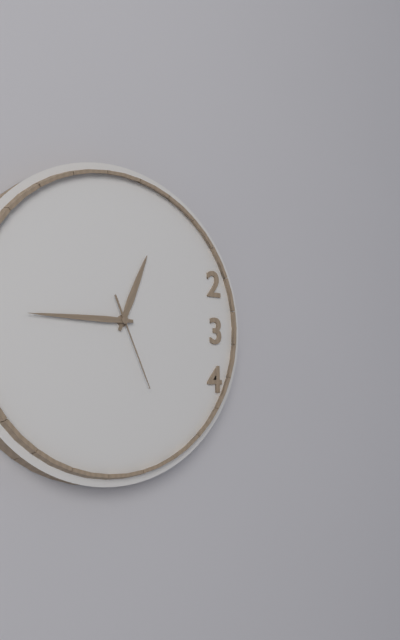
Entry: 12h45m26s
